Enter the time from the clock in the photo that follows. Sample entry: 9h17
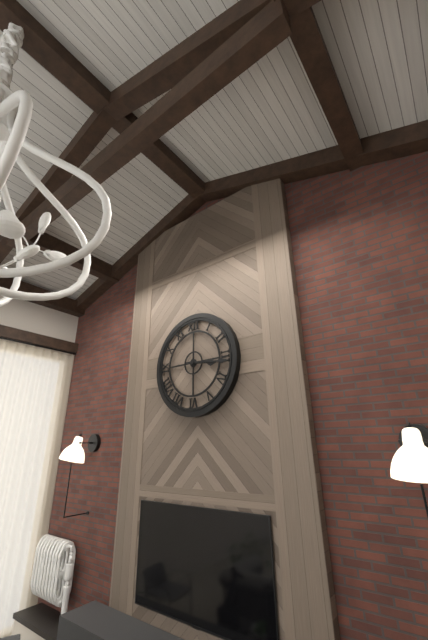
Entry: 3h16
